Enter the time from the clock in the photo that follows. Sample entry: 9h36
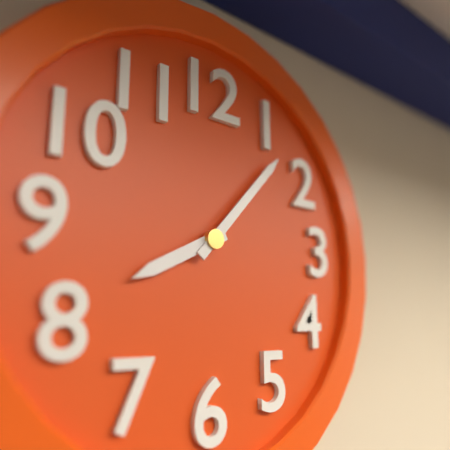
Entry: 8h07
